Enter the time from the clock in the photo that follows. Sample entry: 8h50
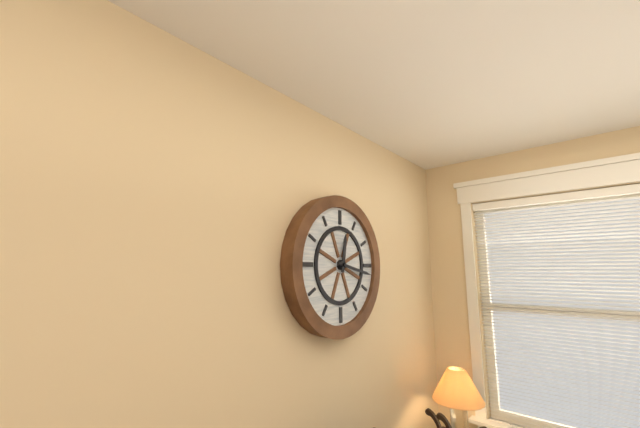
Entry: 12h17
